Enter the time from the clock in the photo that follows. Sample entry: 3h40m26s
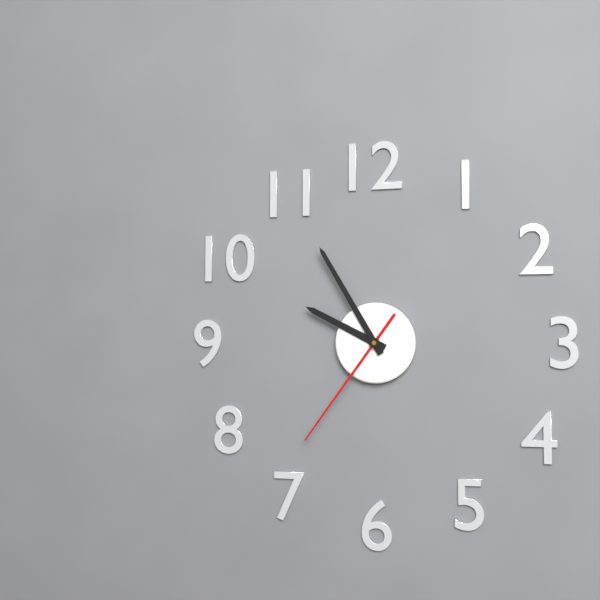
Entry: 9h55m36s
